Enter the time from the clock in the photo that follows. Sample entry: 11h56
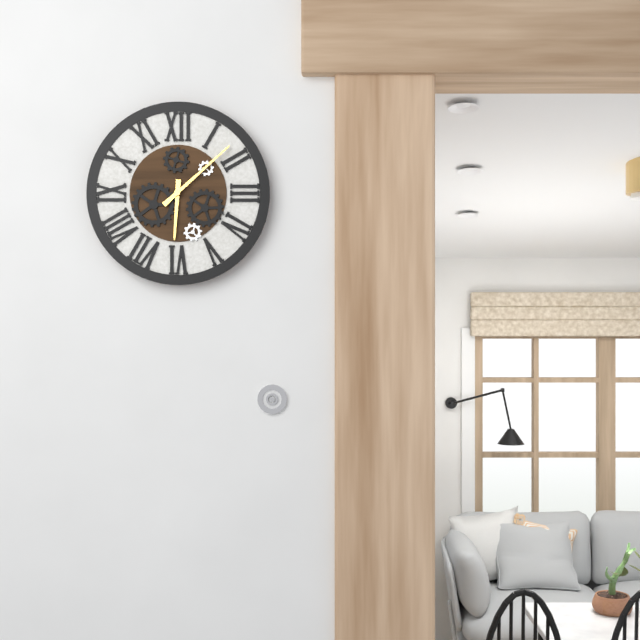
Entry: 6h08
